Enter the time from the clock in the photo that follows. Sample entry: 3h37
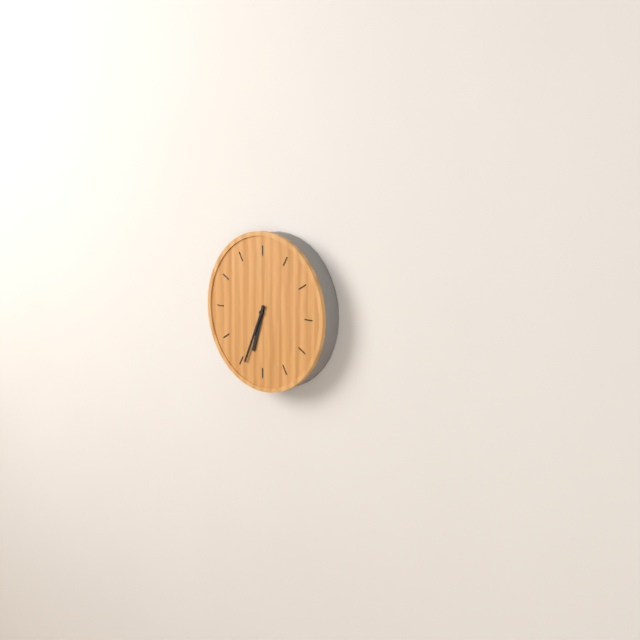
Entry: 6h34
